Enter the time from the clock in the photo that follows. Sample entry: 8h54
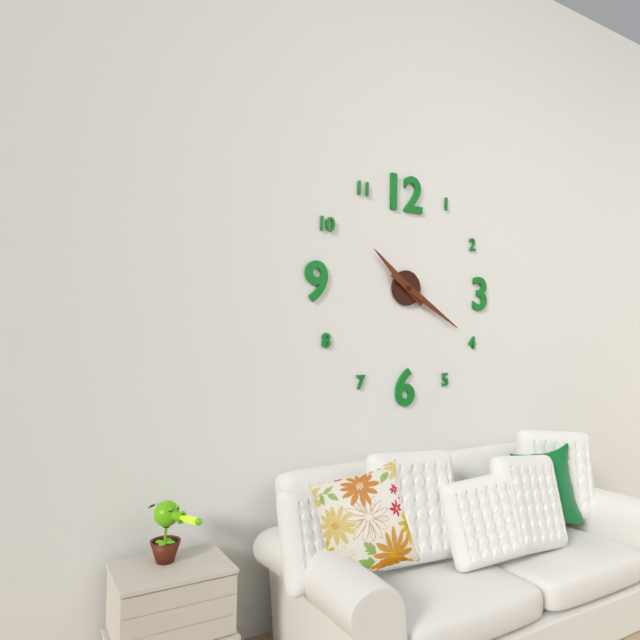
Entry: 10h20
